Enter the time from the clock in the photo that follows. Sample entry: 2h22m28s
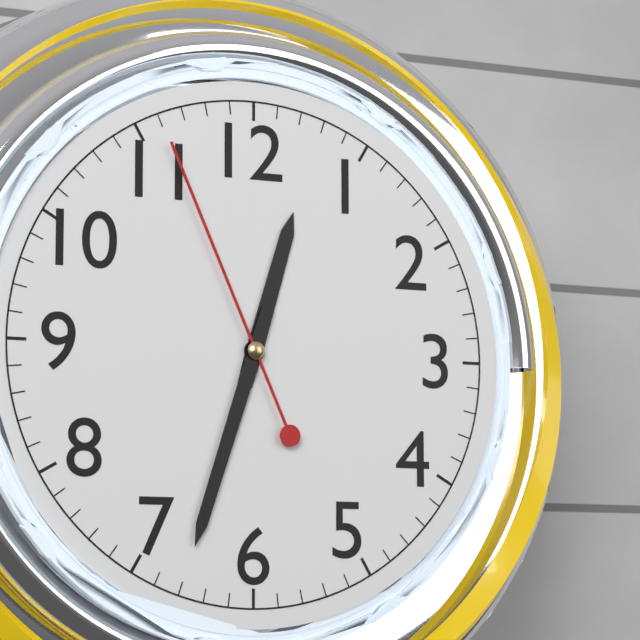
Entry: 12h33m56s
